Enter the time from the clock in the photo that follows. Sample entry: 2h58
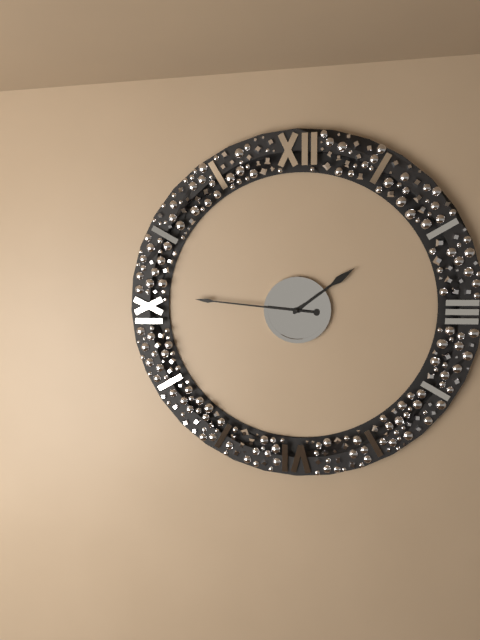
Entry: 1h46
